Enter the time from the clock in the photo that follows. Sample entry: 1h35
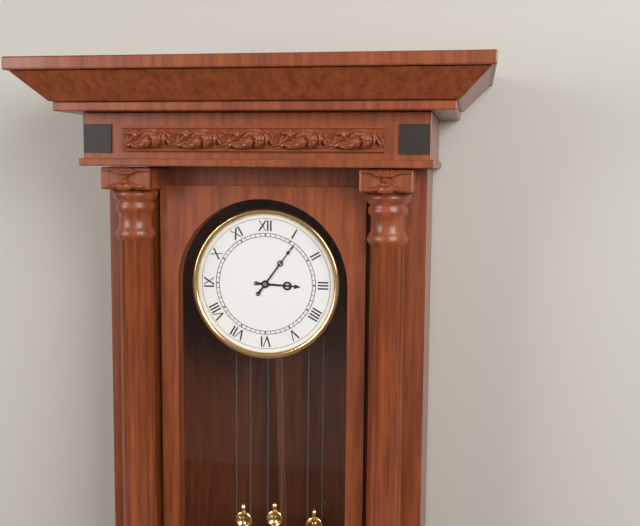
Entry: 3h06
